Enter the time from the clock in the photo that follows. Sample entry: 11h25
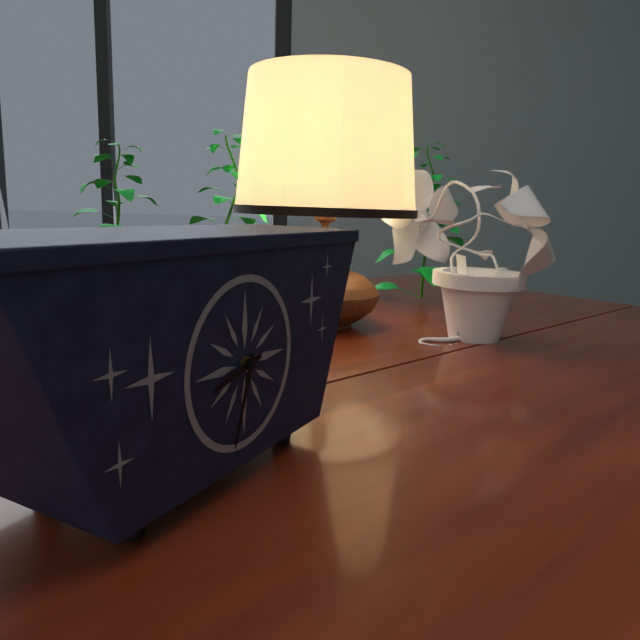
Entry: 8h33
